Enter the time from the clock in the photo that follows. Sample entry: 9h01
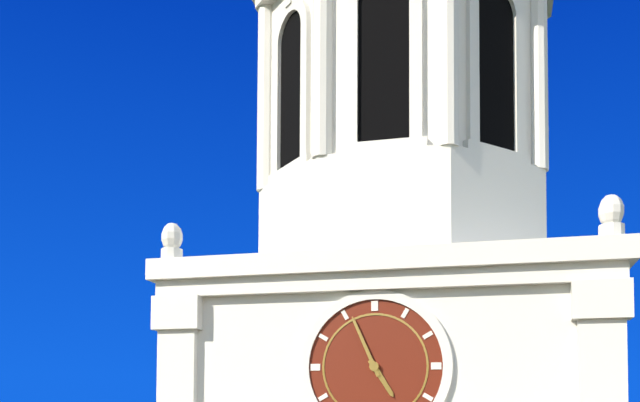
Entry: 4h56
